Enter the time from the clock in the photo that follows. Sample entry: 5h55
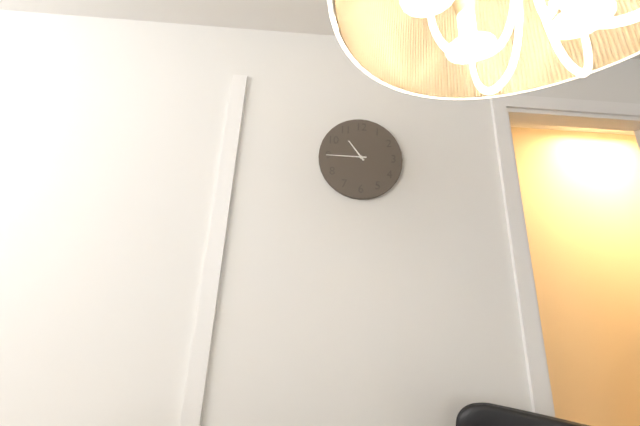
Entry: 10h45
